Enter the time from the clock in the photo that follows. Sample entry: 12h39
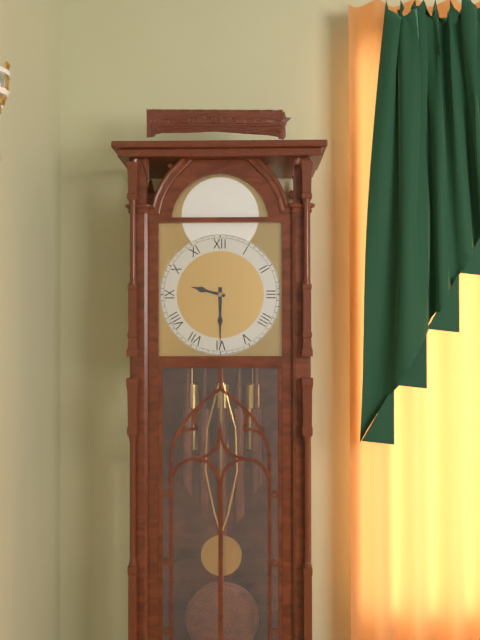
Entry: 9h30
